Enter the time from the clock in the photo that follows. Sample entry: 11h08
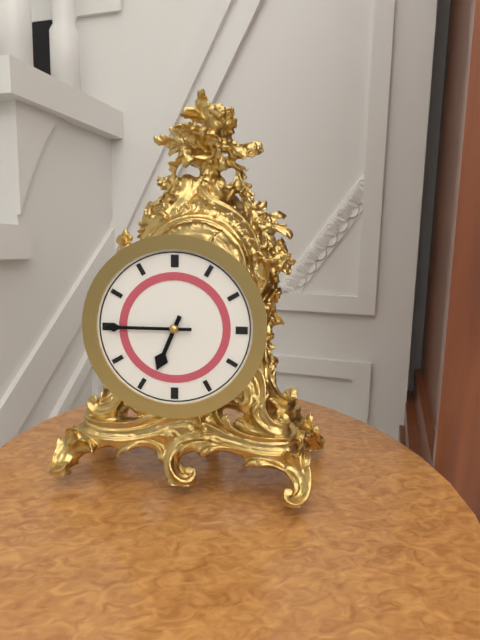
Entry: 6h45
